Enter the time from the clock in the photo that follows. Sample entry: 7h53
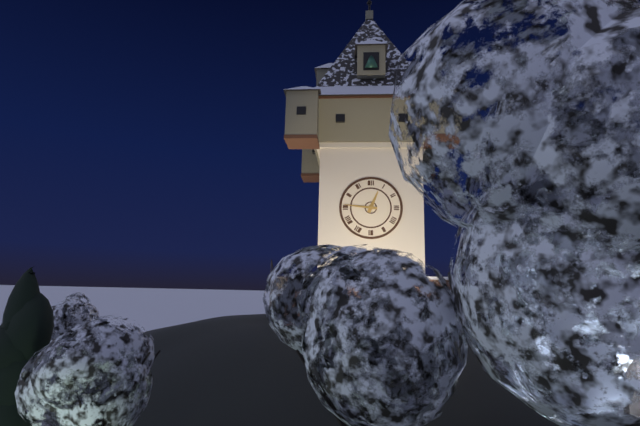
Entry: 12h46
